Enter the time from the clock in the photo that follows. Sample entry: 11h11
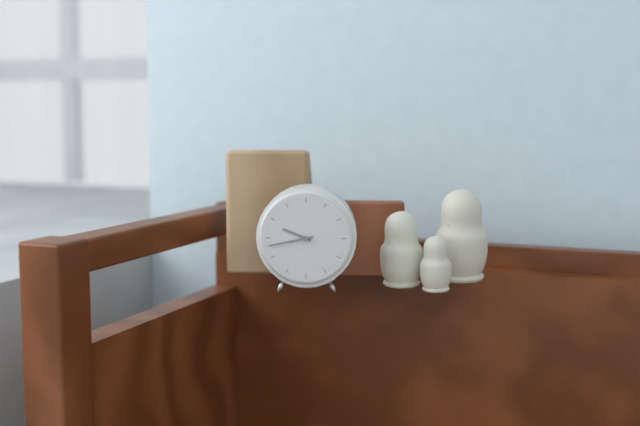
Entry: 9h43
